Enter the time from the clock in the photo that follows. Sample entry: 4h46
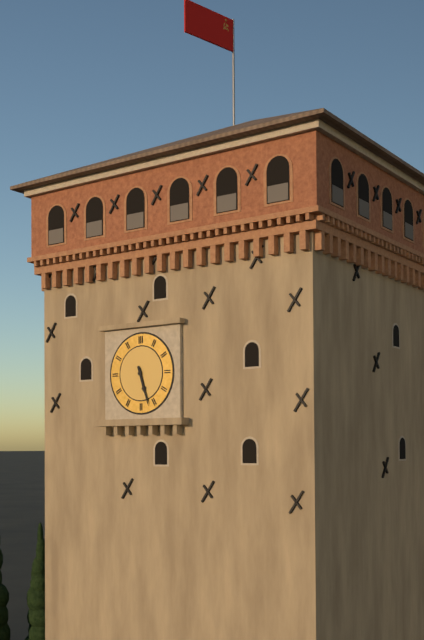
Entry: 5h27
